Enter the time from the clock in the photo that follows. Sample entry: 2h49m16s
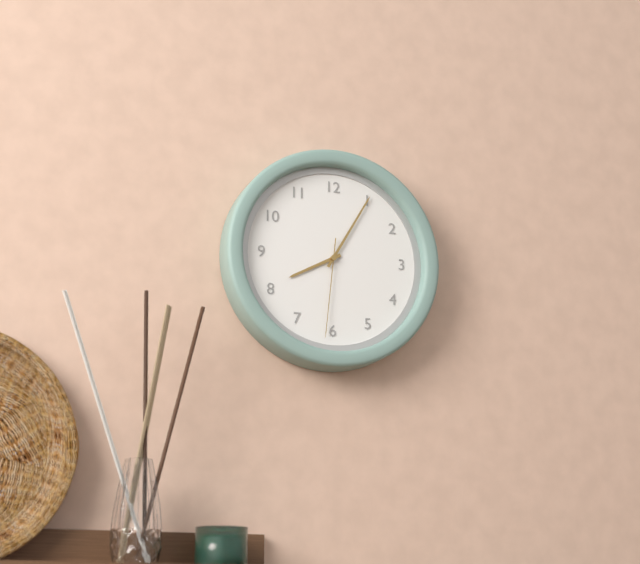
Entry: 8h05m31s
